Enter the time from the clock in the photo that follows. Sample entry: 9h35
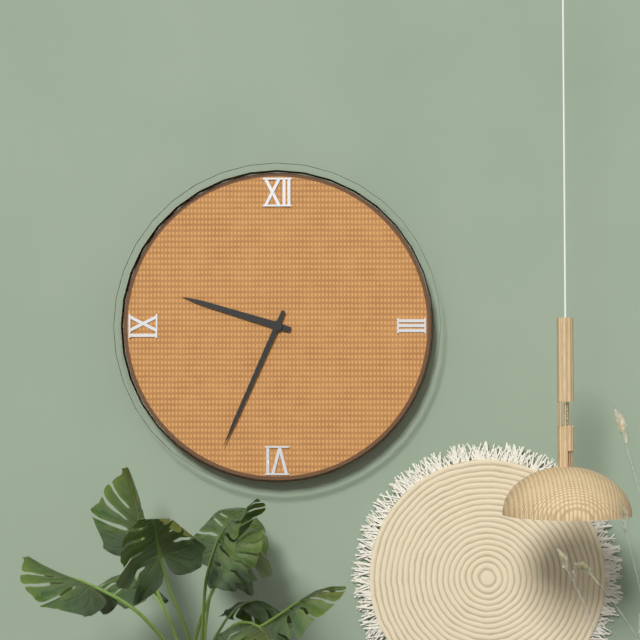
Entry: 9h34
